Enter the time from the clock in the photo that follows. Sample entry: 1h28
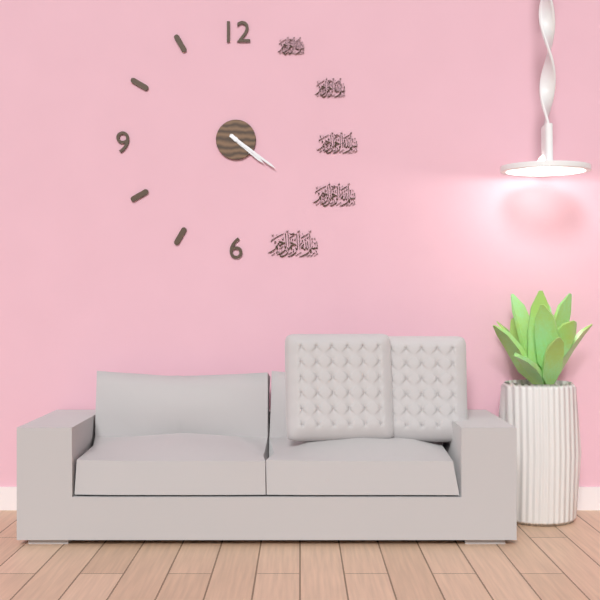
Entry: 4h21
